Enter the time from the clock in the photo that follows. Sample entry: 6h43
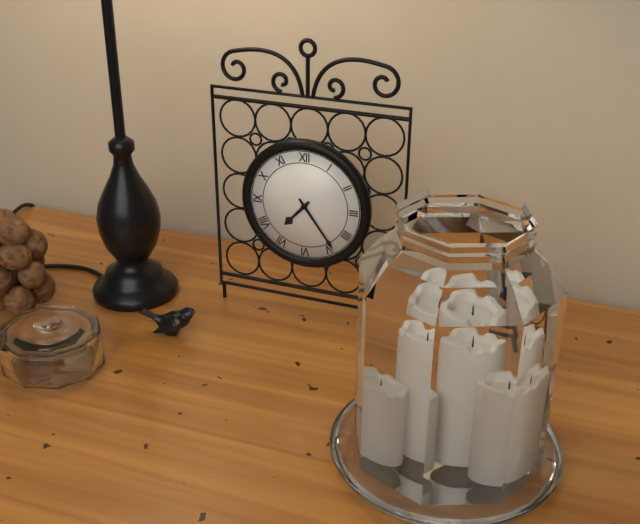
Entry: 7h24
